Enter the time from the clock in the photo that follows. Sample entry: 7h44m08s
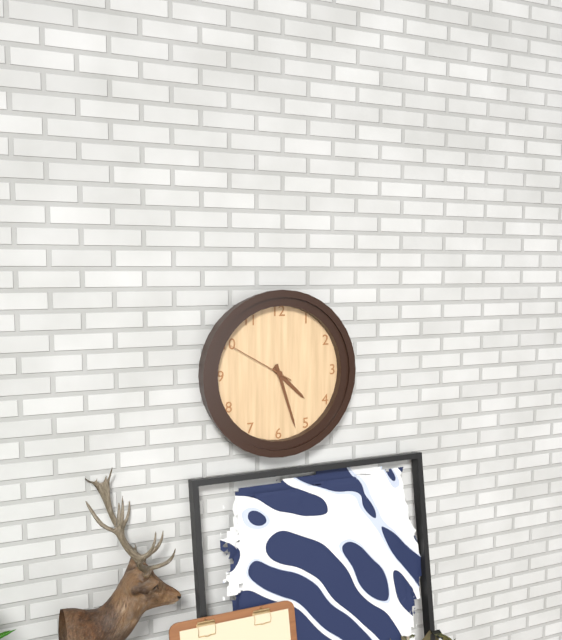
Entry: 4h27m50s
